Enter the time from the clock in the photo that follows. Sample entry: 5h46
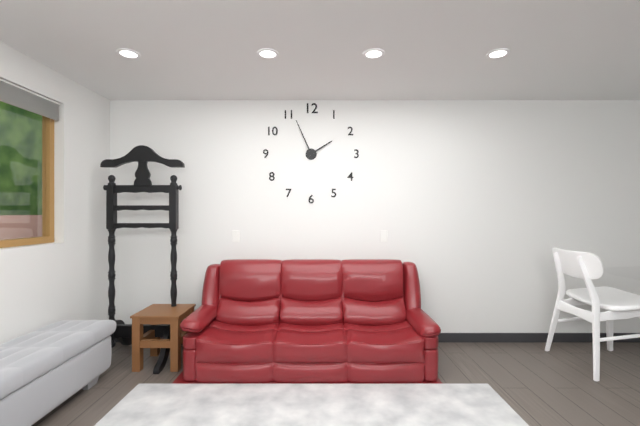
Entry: 1h56
